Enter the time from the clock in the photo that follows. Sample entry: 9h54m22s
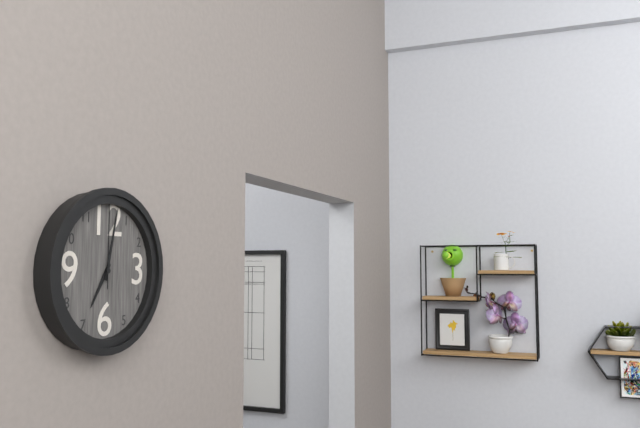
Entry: 7h02m00s
